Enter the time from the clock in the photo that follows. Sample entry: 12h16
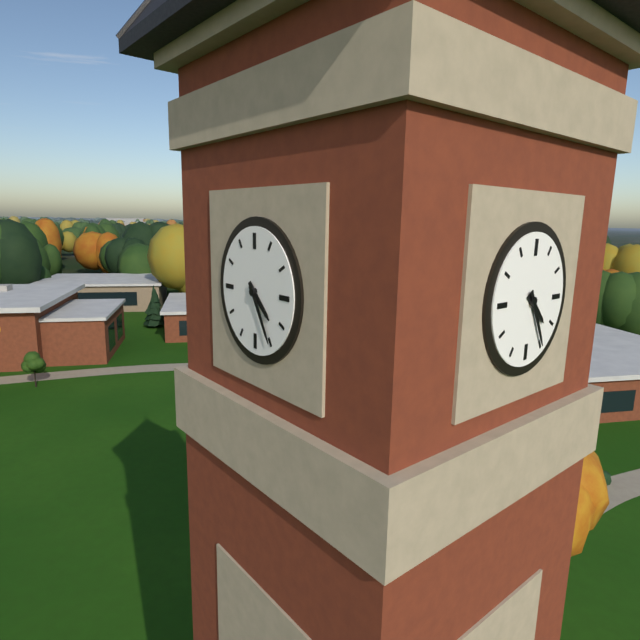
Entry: 4h25
